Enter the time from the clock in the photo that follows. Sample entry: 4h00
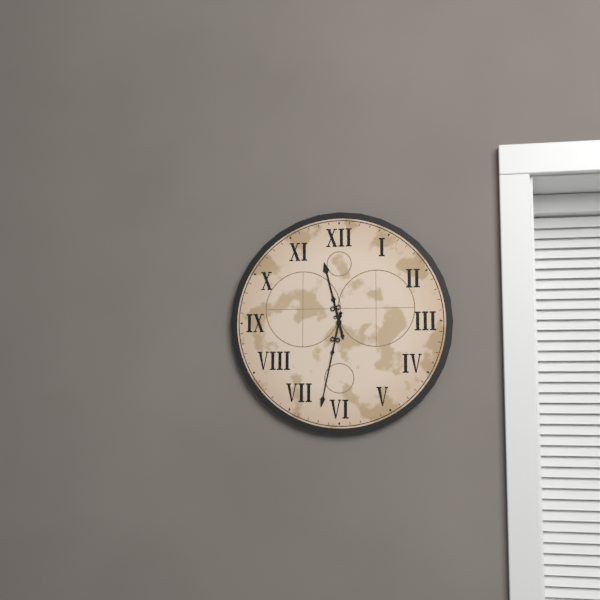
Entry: 11h32
